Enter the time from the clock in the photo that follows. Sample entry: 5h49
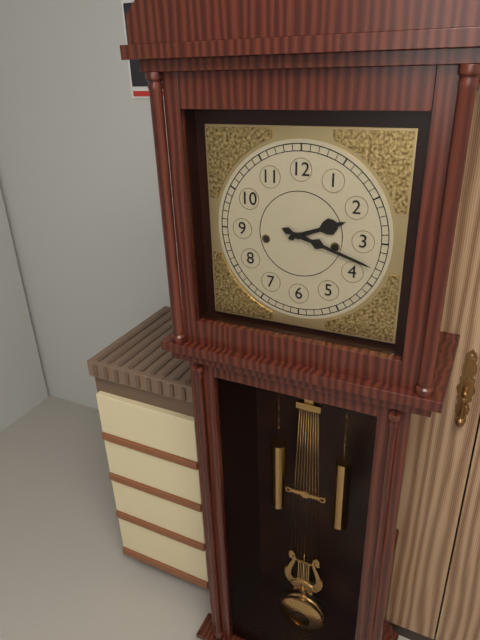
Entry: 2h18
